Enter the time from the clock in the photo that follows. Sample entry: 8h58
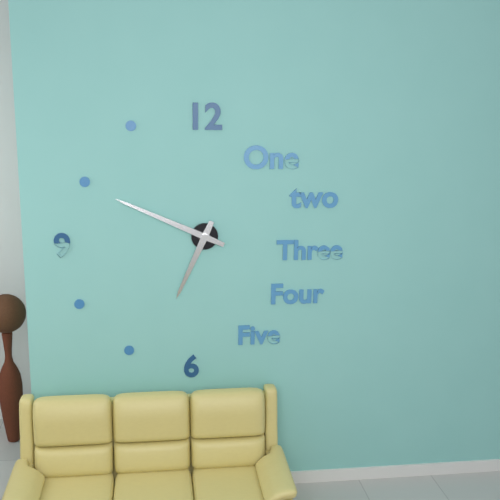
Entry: 6h49
